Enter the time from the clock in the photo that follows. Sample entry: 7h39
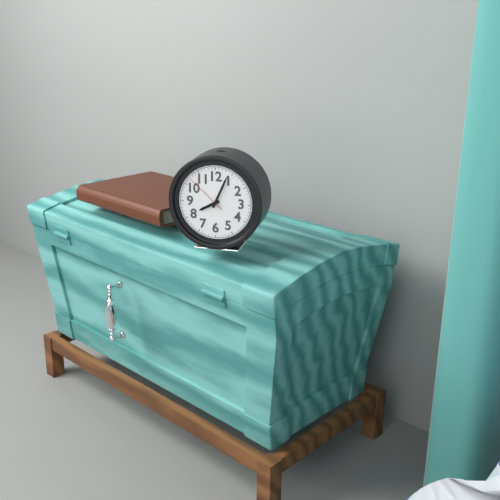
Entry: 8h04
